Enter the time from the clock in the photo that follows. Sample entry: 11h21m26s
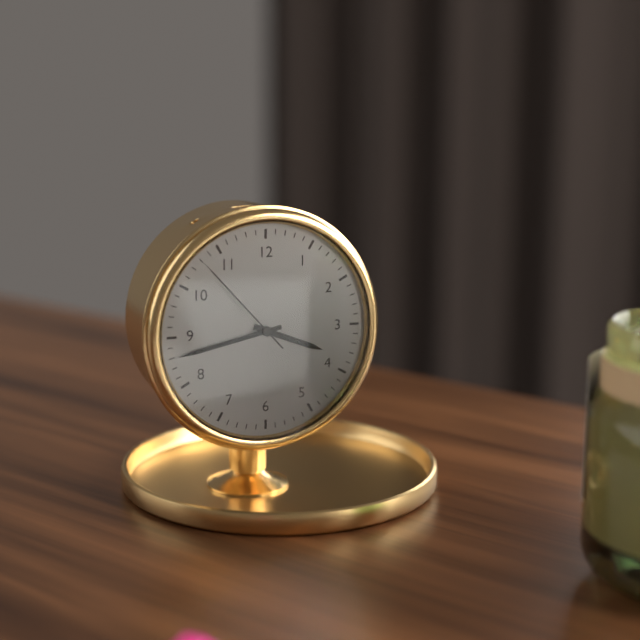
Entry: 3h43m53s
